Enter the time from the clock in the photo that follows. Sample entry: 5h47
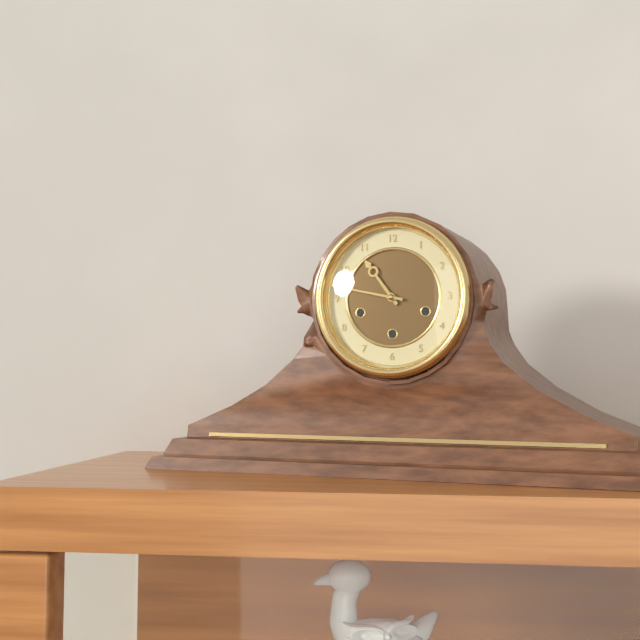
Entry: 10h47
